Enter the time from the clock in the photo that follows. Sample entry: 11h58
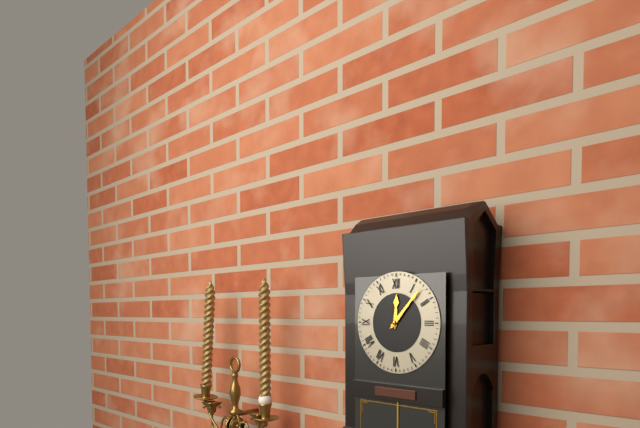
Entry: 12h07
